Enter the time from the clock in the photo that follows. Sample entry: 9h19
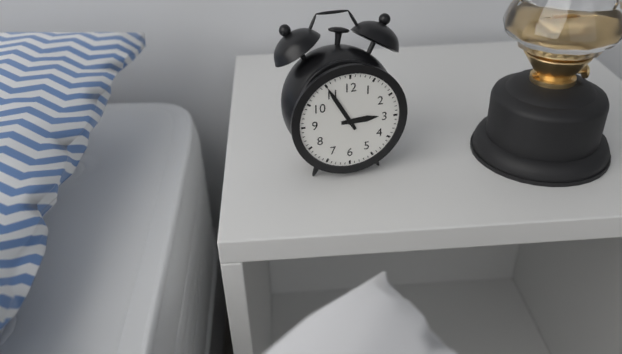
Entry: 2h55
